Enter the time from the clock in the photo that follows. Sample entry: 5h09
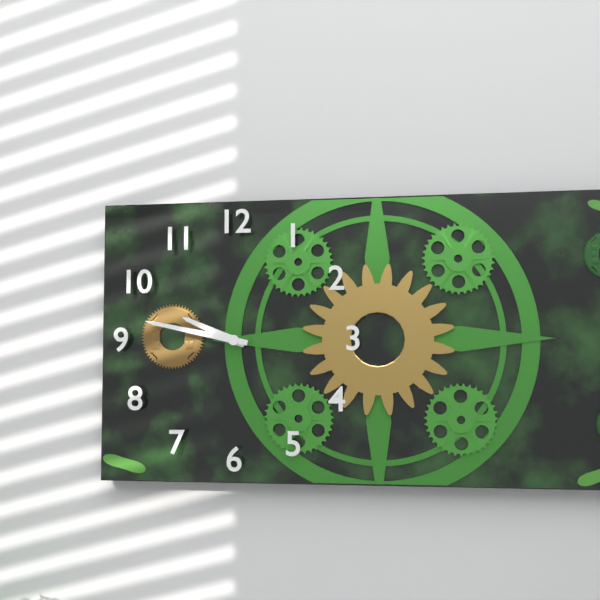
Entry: 9h47
